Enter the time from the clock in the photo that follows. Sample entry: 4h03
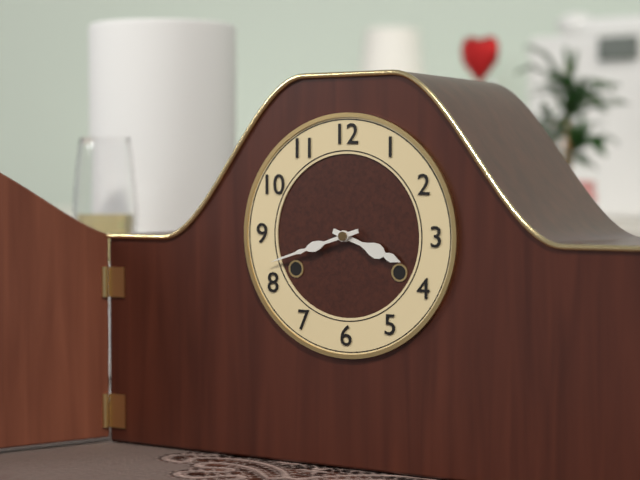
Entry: 3h42
